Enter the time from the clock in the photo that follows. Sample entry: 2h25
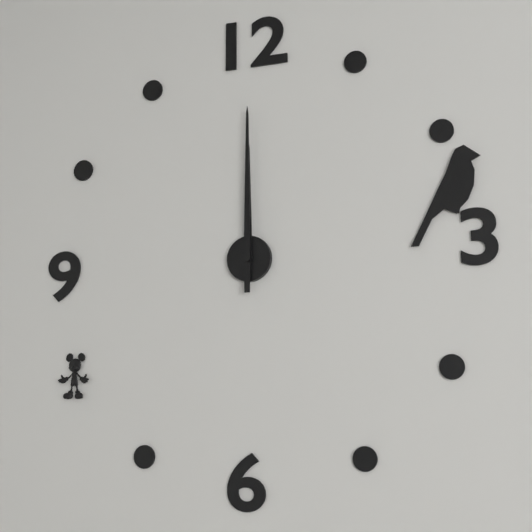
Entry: 12h00
